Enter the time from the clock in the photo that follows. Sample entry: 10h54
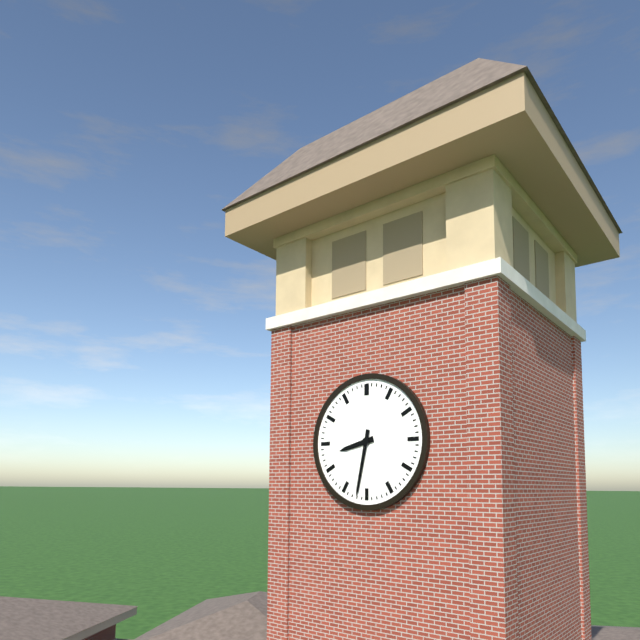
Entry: 8h32
